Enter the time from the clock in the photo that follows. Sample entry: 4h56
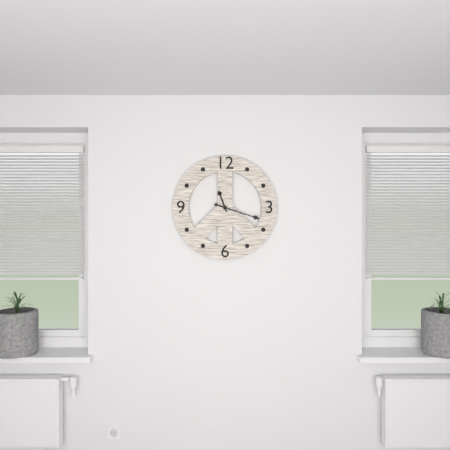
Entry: 11h18
